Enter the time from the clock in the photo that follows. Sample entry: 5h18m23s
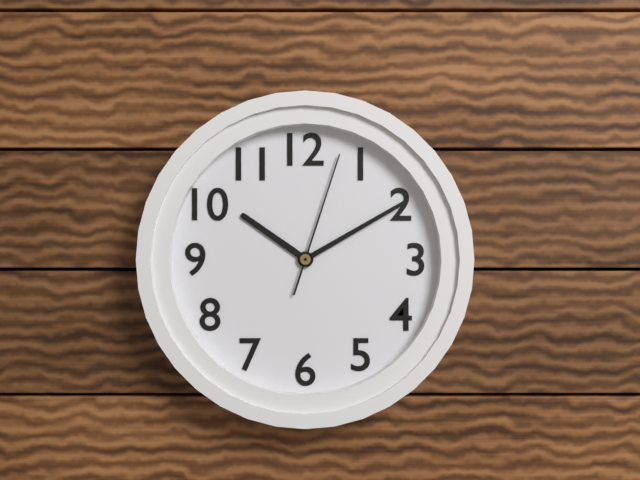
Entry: 10h10m03s
